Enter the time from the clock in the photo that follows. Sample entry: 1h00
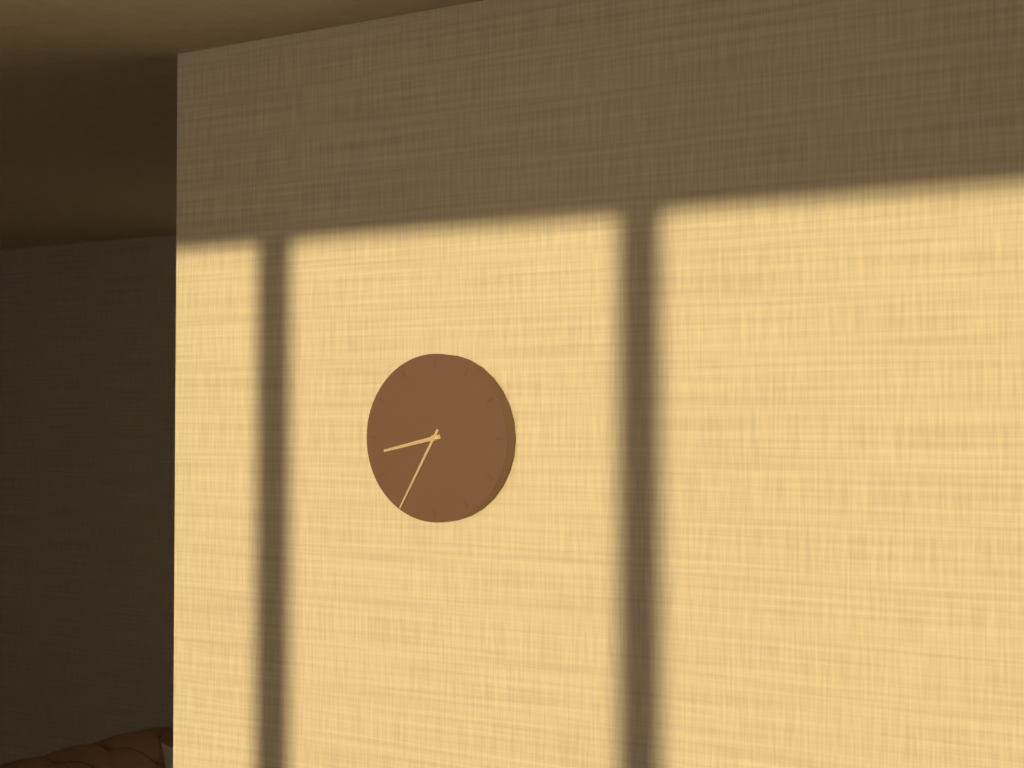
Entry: 8h35
